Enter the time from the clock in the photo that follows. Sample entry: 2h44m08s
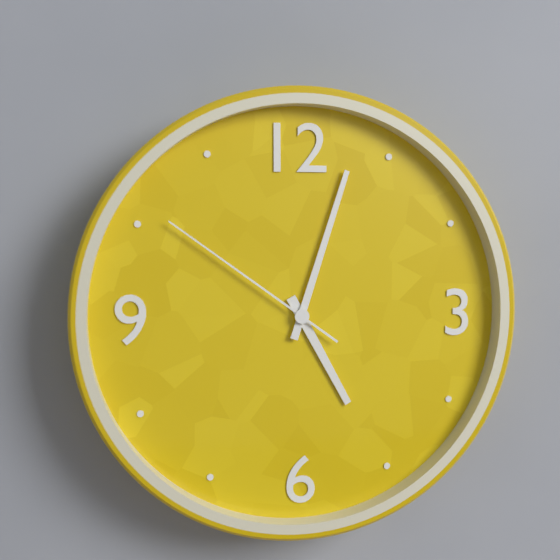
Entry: 5h03m51s
